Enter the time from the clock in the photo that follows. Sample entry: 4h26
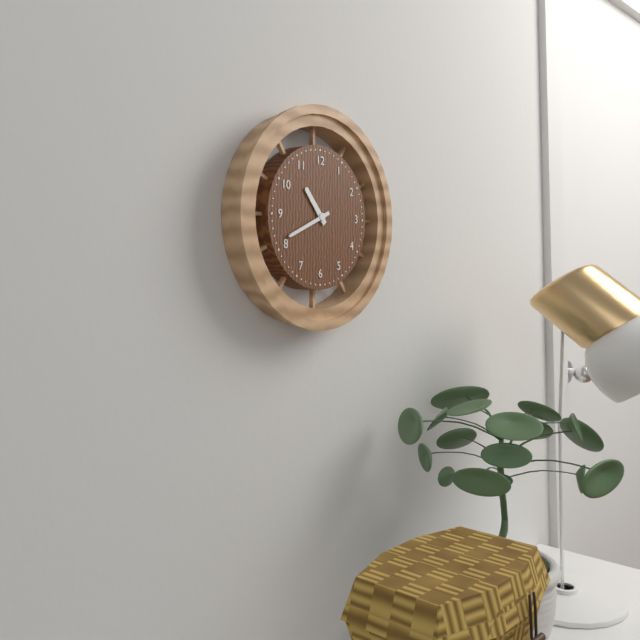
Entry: 10h41
